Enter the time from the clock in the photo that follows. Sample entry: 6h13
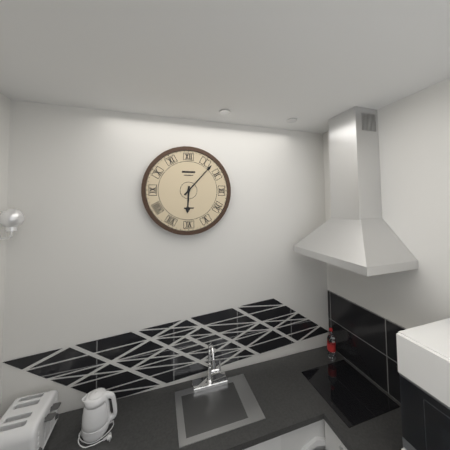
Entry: 6h07
